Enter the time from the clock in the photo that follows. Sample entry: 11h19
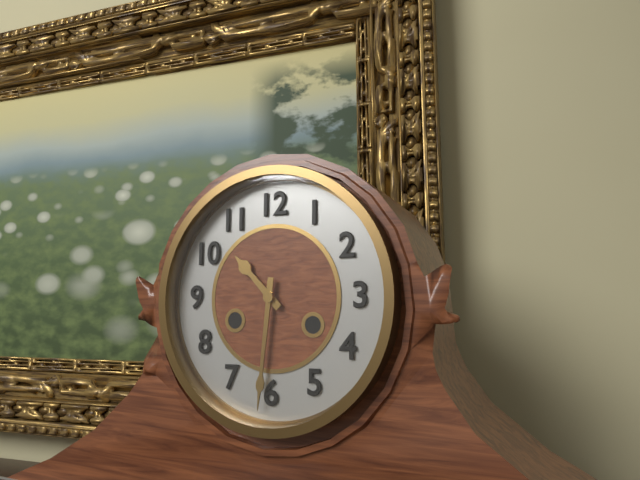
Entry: 10h31
